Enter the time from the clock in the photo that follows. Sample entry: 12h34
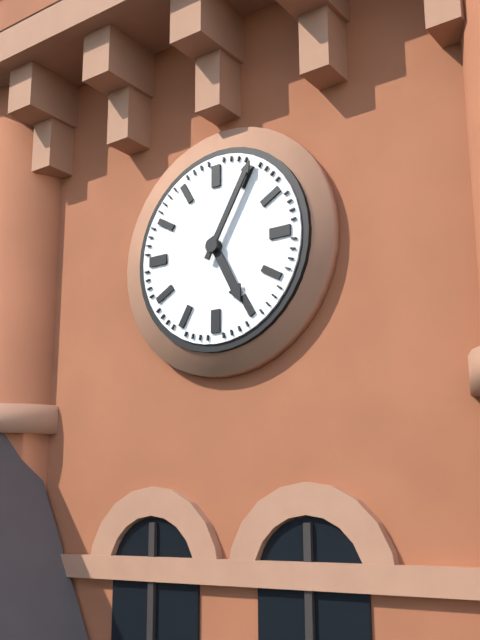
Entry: 5h05
